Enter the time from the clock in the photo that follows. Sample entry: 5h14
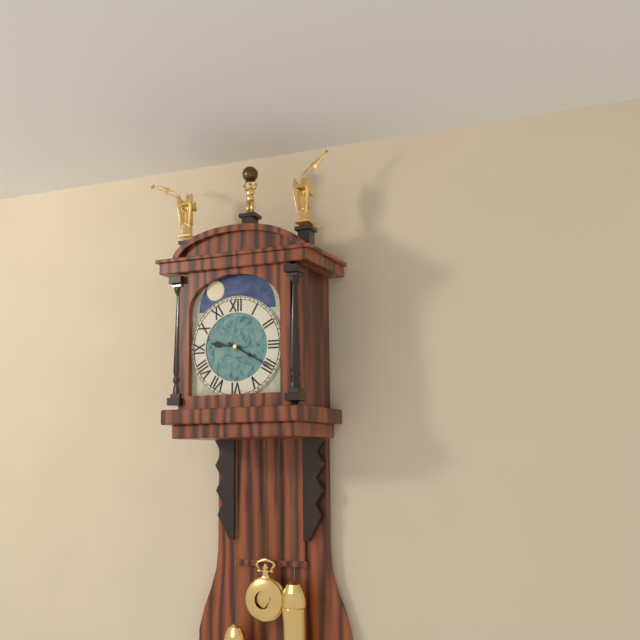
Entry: 9h20
